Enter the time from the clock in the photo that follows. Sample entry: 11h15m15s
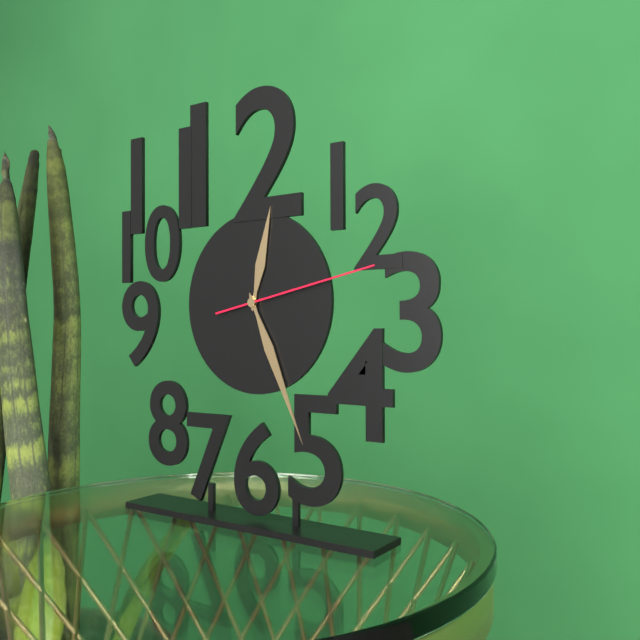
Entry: 12h26m13s
